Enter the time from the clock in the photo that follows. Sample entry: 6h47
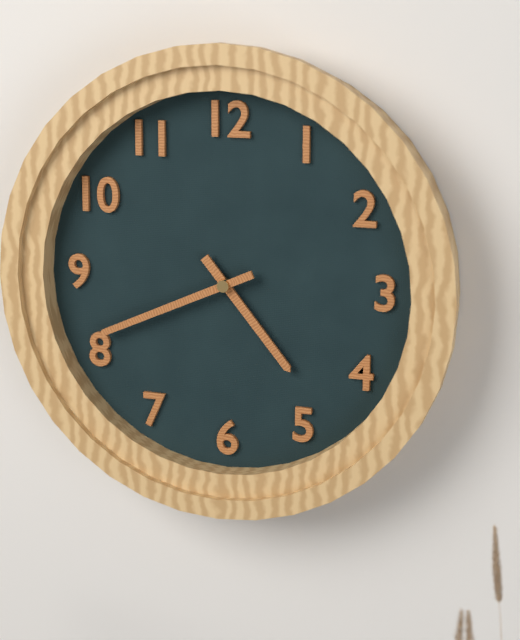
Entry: 4h41
